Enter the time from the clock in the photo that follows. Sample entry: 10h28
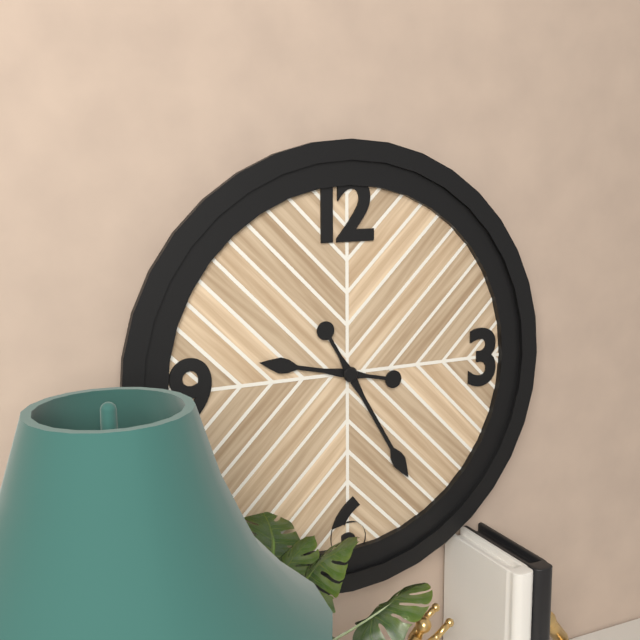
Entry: 9h25
